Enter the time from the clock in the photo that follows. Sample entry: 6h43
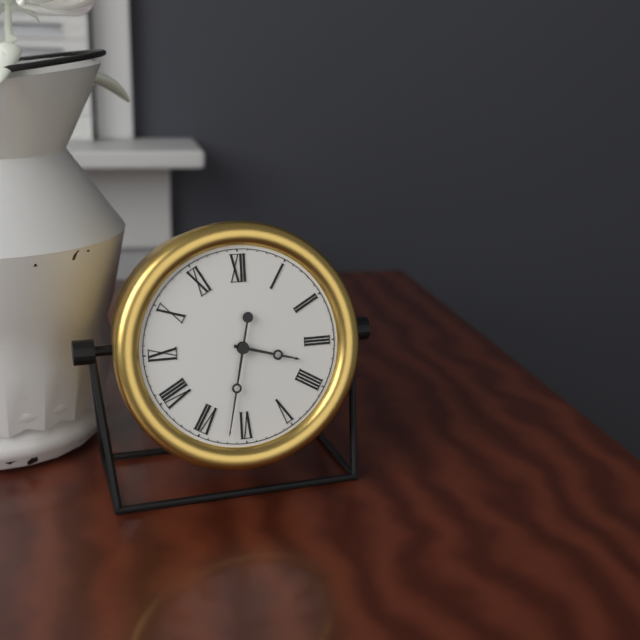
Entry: 3h32
